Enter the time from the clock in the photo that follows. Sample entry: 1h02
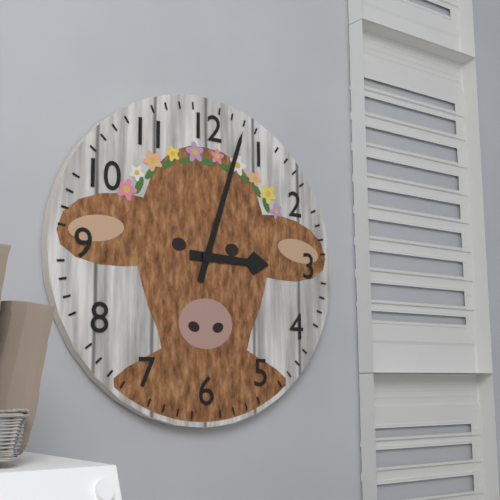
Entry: 3h03
